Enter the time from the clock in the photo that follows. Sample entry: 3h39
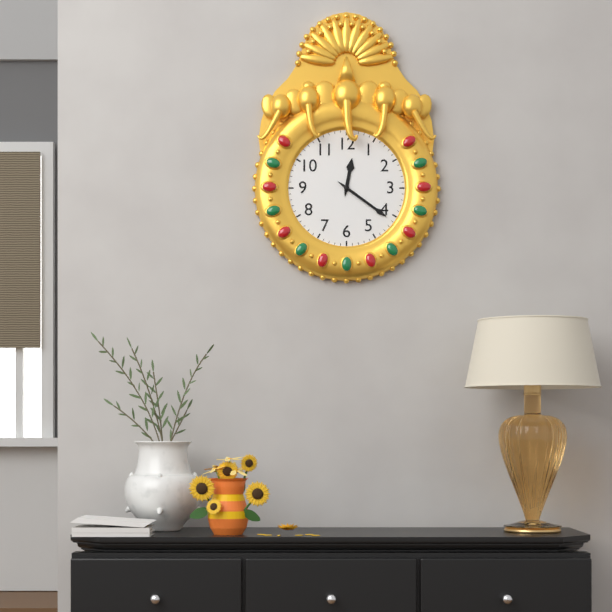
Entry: 12h21
